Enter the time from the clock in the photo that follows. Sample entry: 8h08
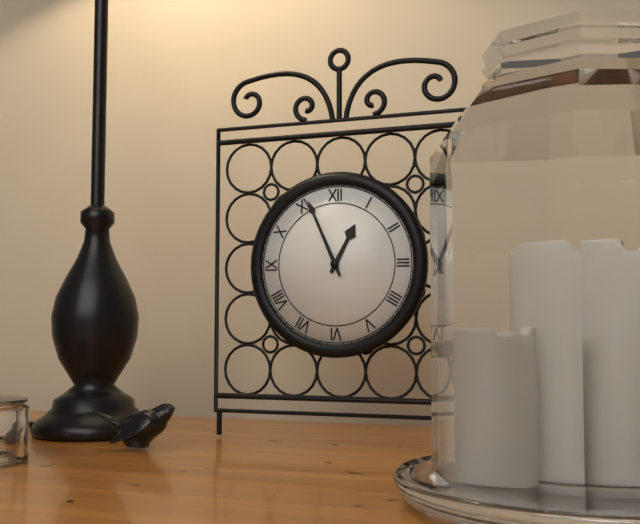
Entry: 12h56
